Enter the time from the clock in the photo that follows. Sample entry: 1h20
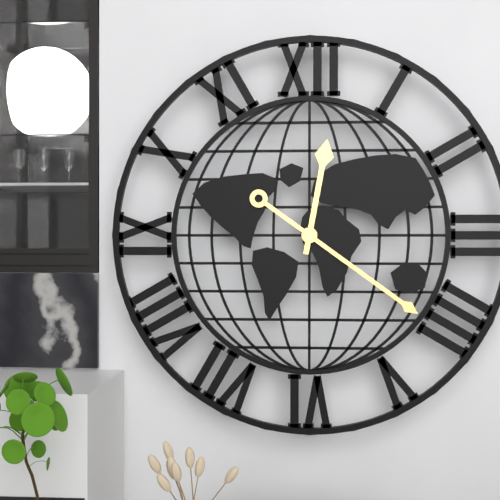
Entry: 12h21
